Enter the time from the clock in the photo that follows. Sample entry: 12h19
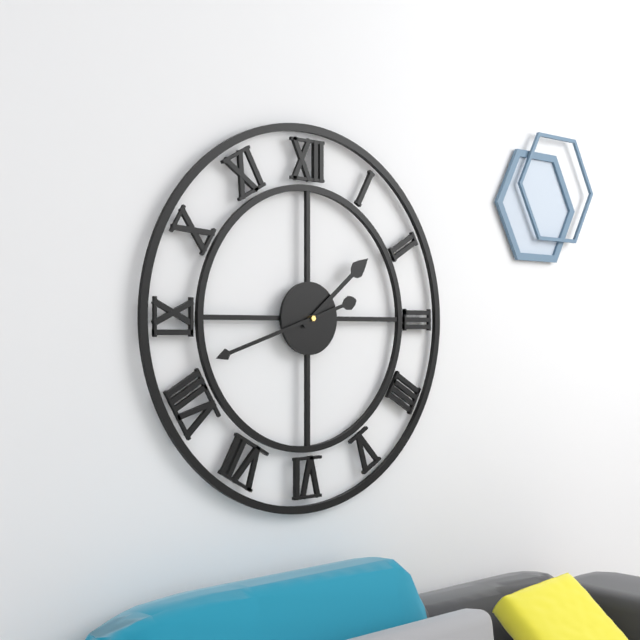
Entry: 1h42
